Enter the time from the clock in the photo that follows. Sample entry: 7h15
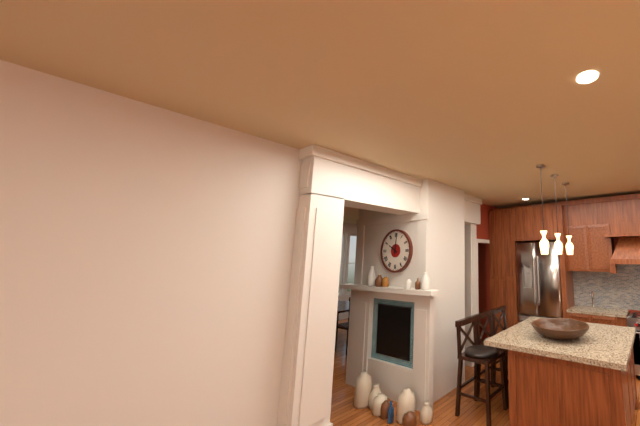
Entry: 10h01
